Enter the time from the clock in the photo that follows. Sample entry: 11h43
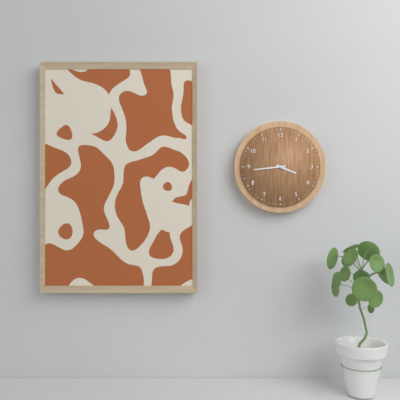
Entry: 3h44
